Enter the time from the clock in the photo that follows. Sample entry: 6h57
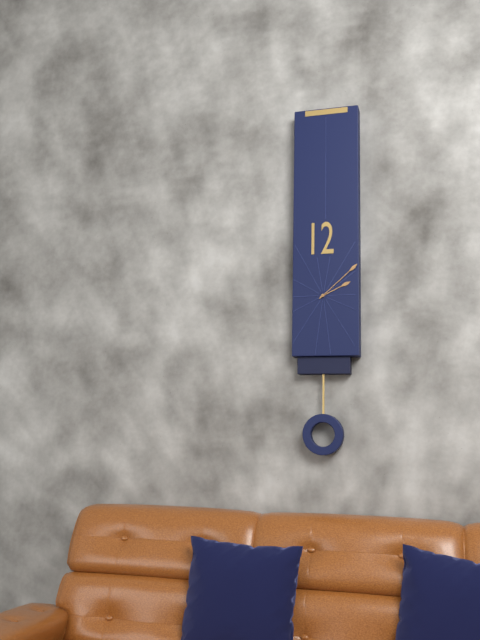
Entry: 2h08
